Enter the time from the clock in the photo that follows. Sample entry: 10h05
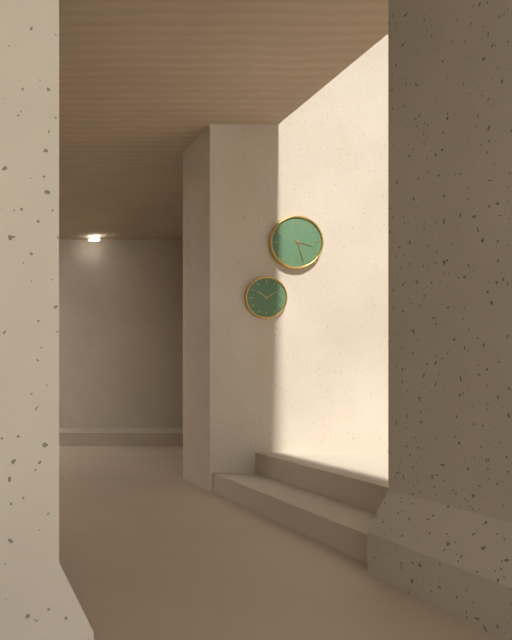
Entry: 3h27
